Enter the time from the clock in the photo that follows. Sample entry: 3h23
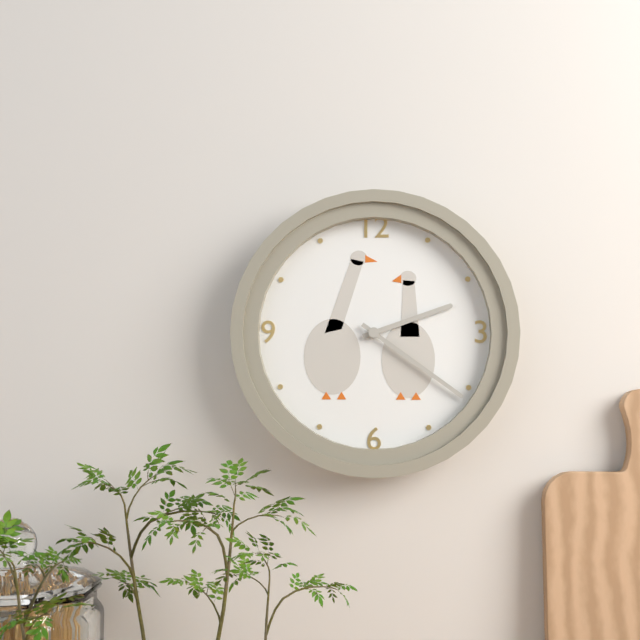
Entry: 2h21
